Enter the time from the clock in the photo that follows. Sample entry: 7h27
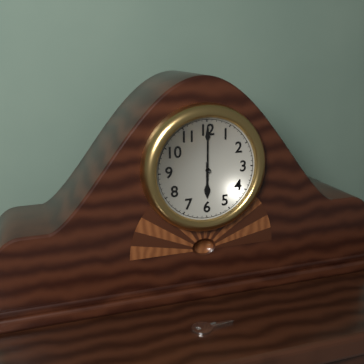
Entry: 6h00
